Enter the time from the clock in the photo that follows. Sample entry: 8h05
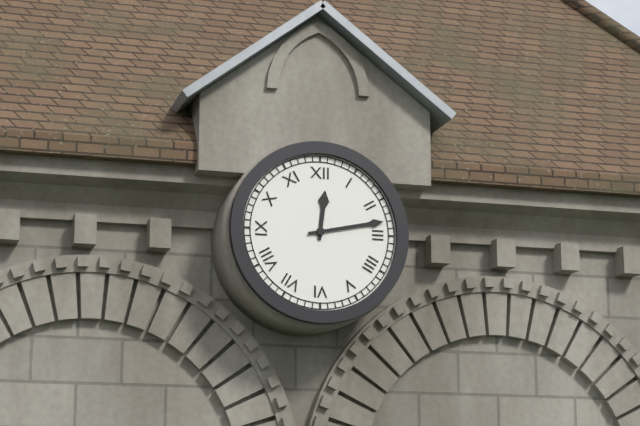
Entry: 12h13
